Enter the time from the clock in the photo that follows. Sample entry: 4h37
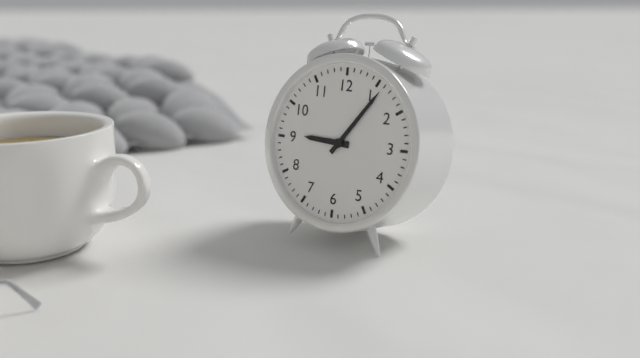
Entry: 9h06
